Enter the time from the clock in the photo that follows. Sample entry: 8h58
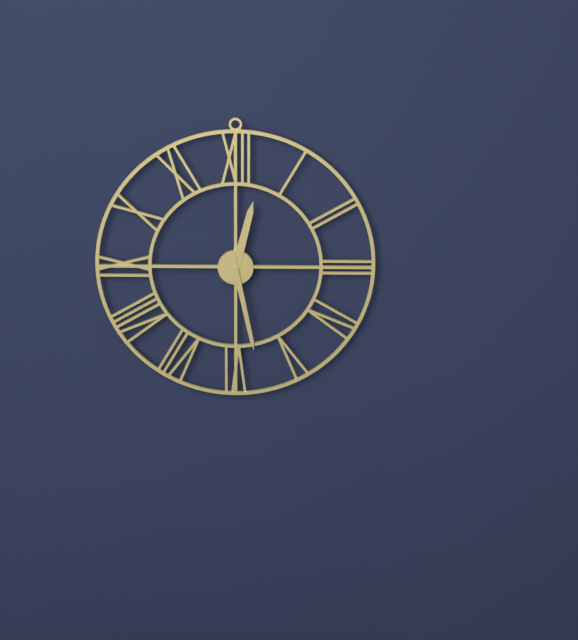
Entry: 12h28
